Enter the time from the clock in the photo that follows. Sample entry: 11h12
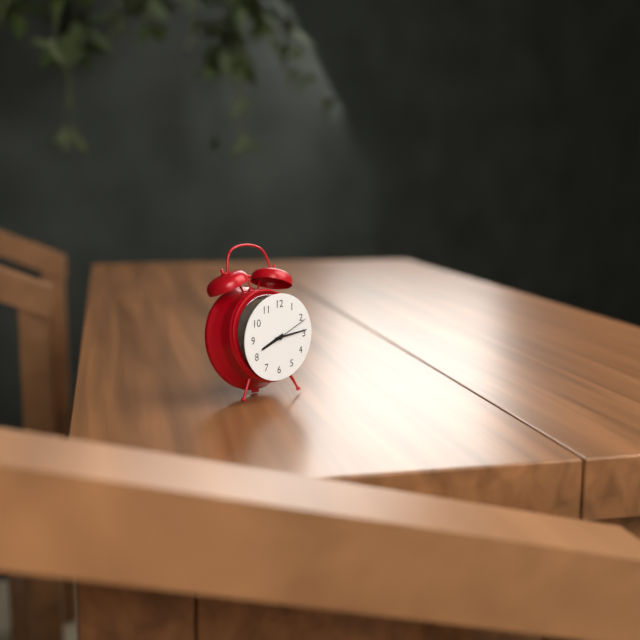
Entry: 8h14
